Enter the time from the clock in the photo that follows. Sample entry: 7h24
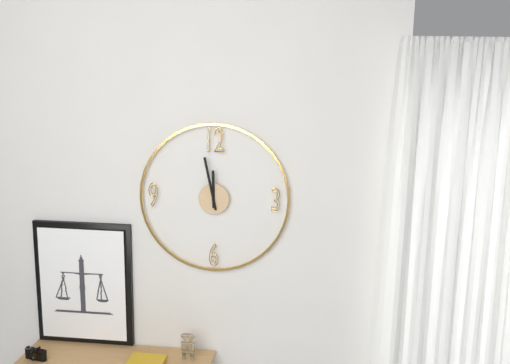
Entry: 11h58
